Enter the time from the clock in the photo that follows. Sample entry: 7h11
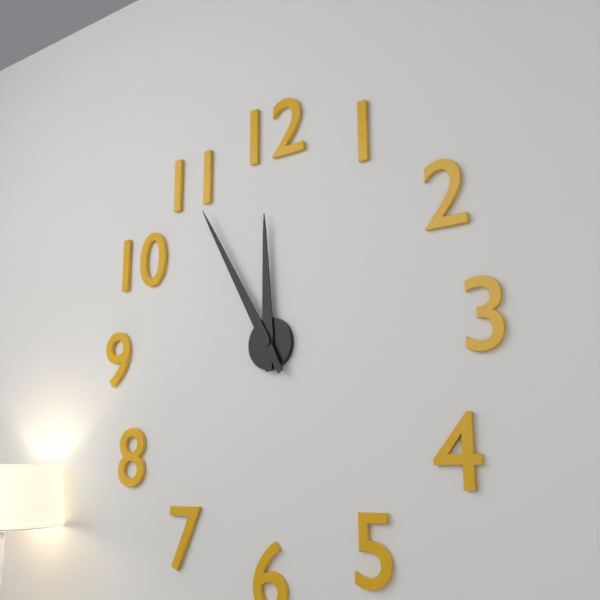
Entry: 11h55
